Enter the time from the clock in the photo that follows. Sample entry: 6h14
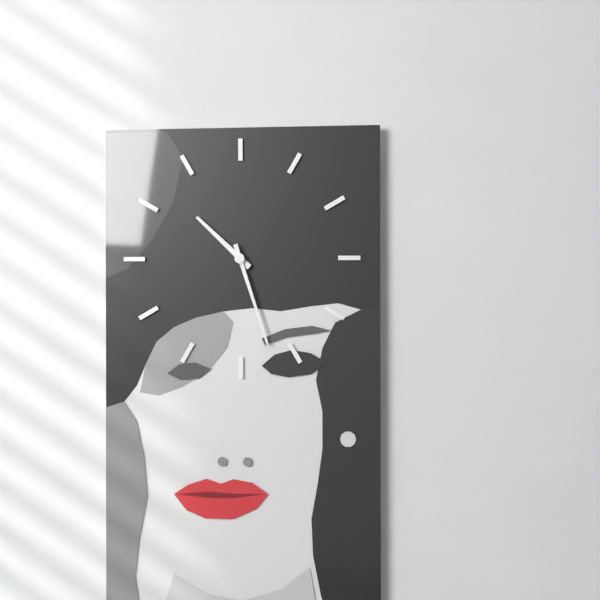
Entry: 10h27
